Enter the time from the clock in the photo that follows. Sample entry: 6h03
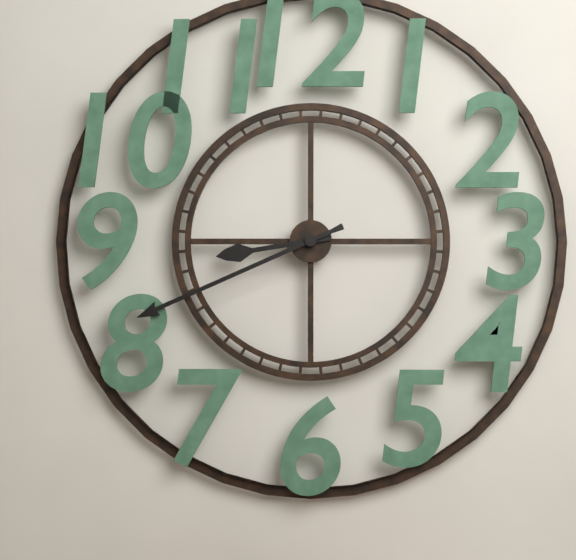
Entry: 8h41
